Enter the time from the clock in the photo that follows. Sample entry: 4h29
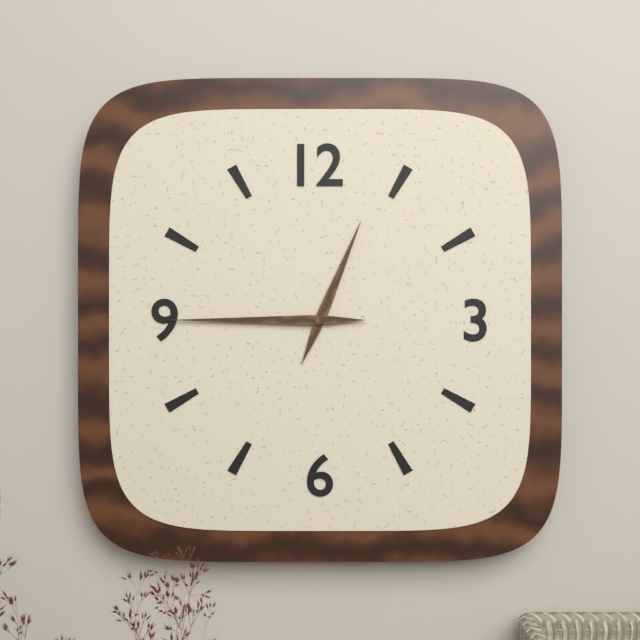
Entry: 12h45
